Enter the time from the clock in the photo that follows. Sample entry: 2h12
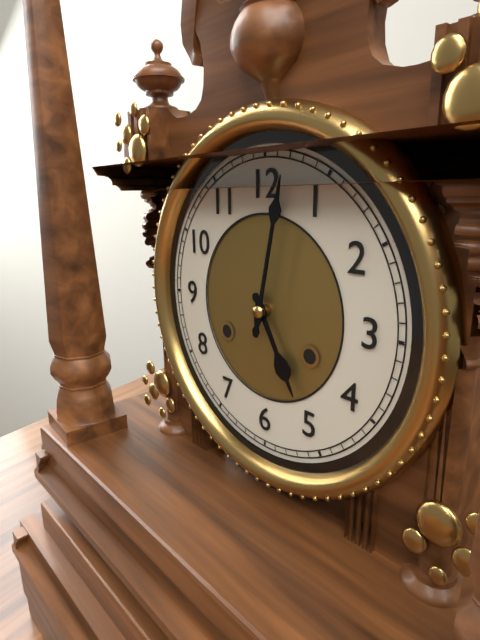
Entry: 5h02
